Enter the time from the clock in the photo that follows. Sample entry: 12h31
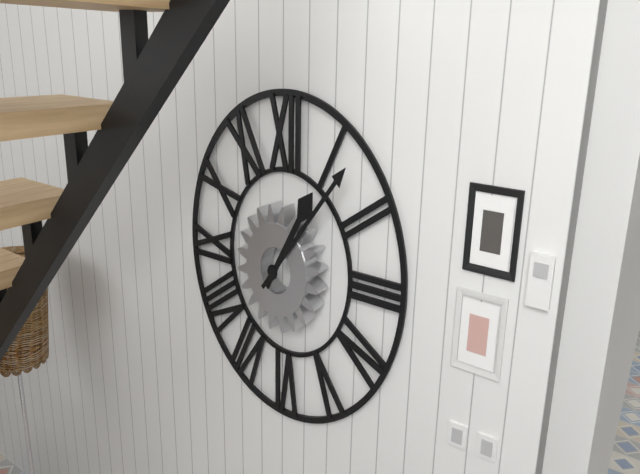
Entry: 1h07
